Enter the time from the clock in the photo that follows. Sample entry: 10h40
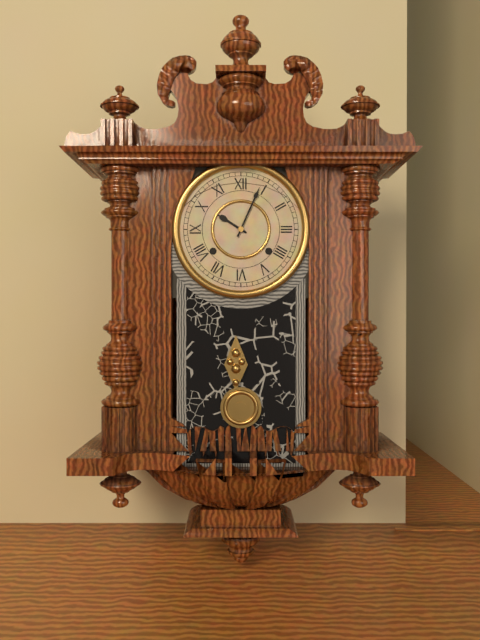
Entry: 10h04
